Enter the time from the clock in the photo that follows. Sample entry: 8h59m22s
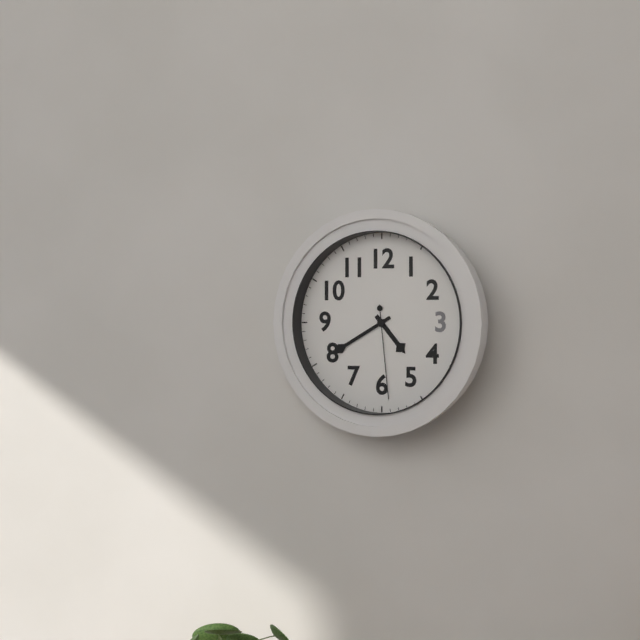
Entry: 4h40m29s
